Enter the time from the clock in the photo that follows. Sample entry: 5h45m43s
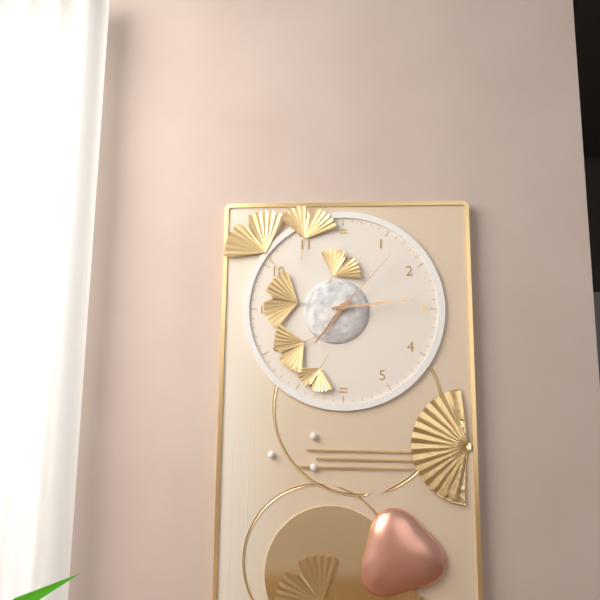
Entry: 7h14m07s
